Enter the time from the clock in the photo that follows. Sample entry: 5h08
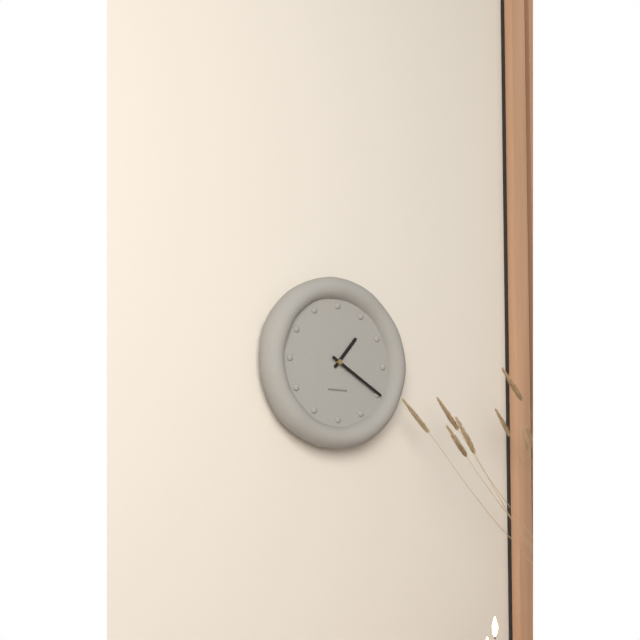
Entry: 1h20
